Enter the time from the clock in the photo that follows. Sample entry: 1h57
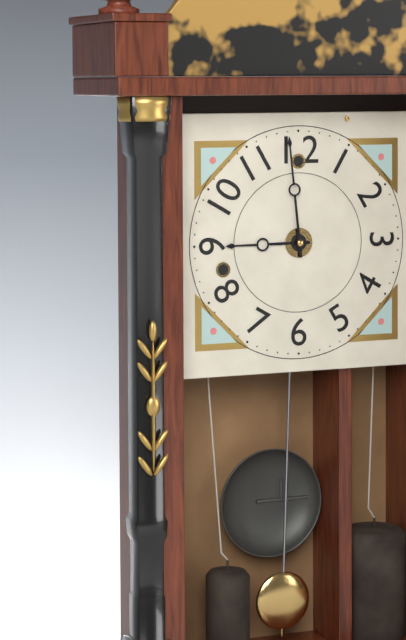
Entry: 8h59
